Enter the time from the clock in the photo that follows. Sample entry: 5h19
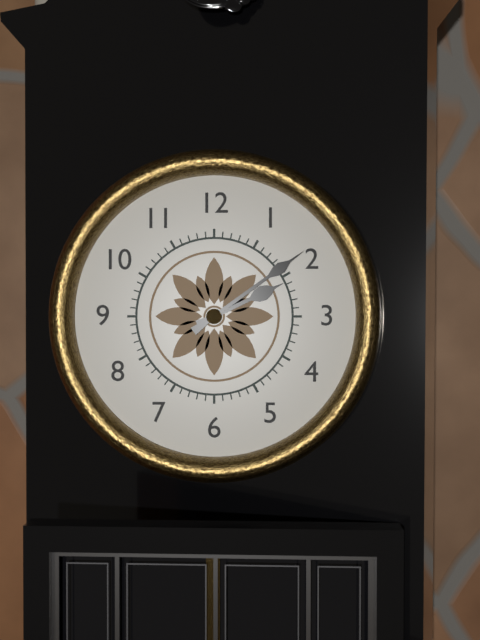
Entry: 2h09
